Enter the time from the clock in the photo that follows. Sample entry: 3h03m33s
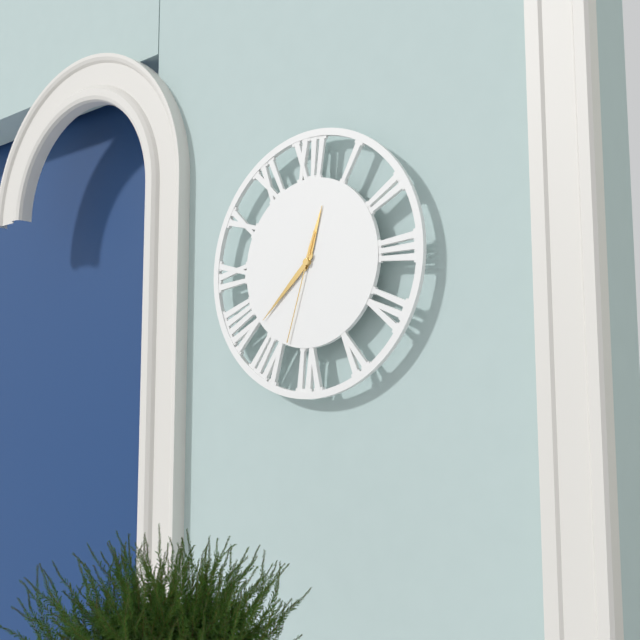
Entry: 12h38m33s
